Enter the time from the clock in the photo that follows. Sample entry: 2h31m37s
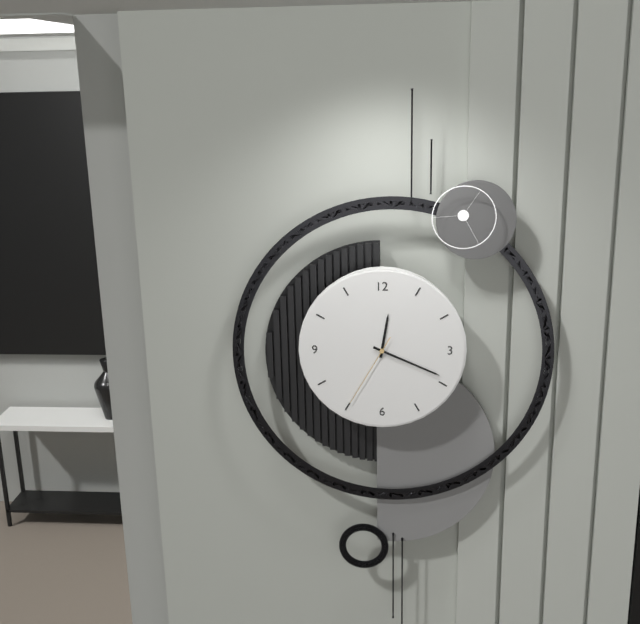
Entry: 12h19m35s
